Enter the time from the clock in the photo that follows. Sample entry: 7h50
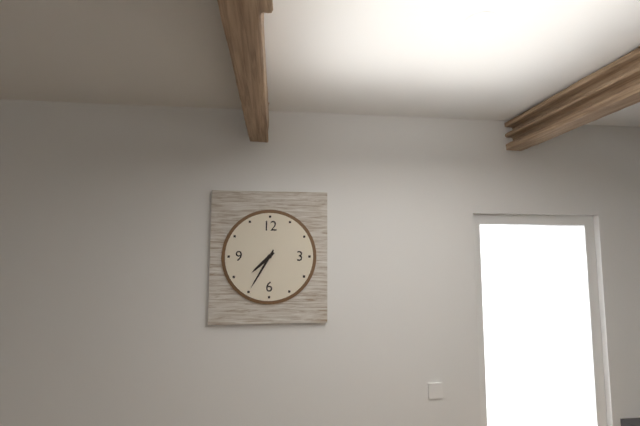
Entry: 7h35
